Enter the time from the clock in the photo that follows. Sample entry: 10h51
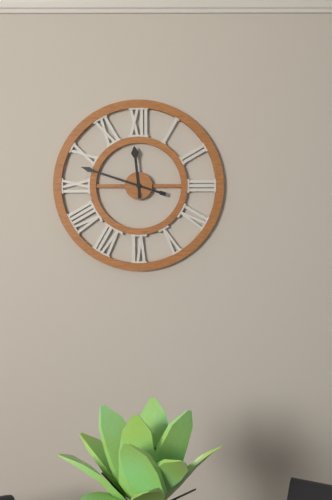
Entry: 11h48
